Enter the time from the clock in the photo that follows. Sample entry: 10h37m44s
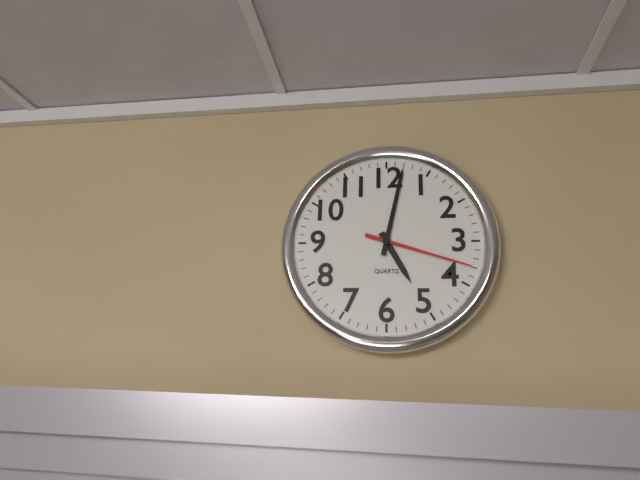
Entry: 5h02m18s
